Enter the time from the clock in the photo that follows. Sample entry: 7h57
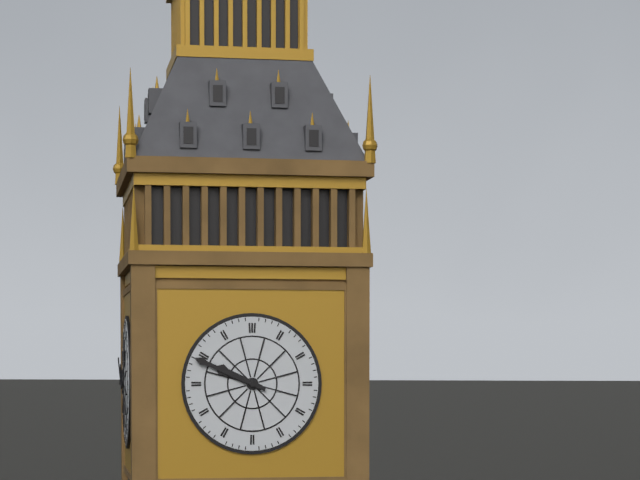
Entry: 9h49
